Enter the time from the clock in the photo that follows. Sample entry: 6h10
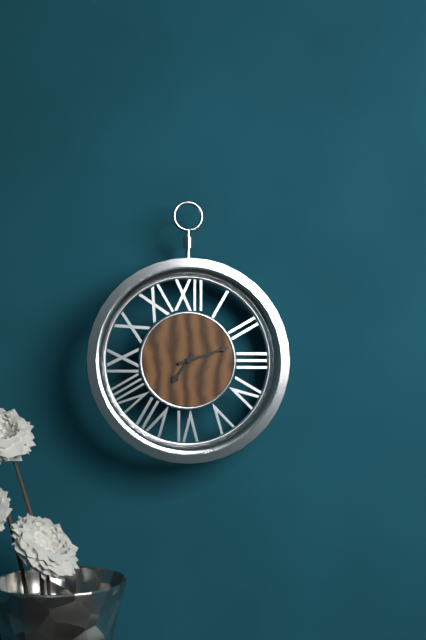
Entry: 7h12
